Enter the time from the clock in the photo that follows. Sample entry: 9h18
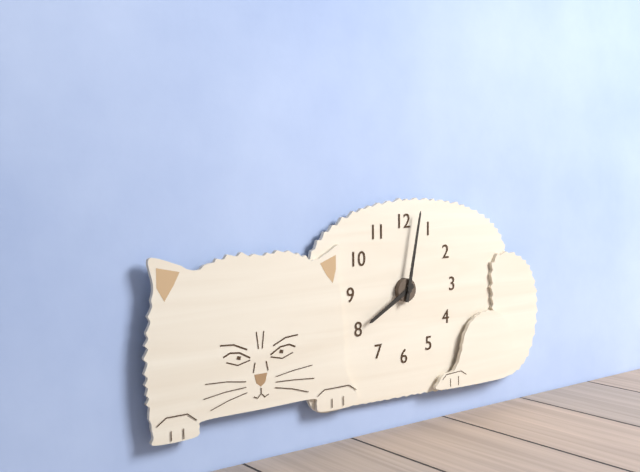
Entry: 8h02
